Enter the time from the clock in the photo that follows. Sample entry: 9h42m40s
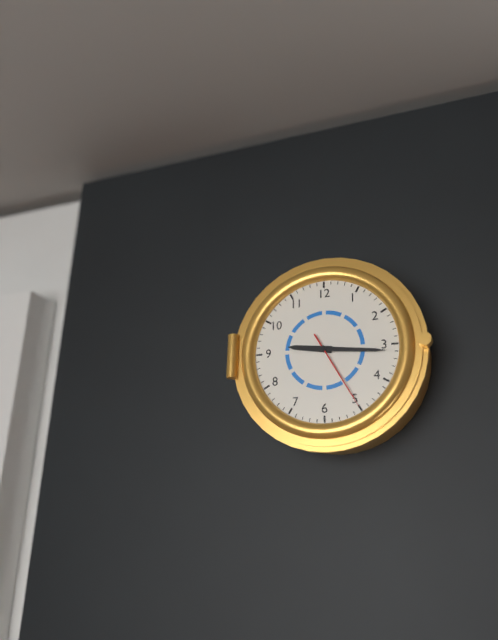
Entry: 9h16m25s
